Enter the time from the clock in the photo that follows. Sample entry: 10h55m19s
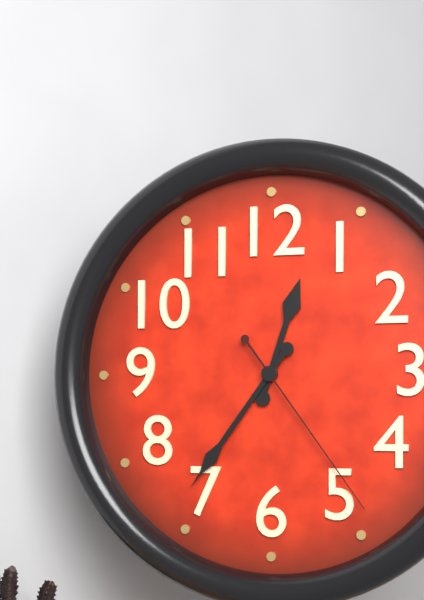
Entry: 12h36m24s
